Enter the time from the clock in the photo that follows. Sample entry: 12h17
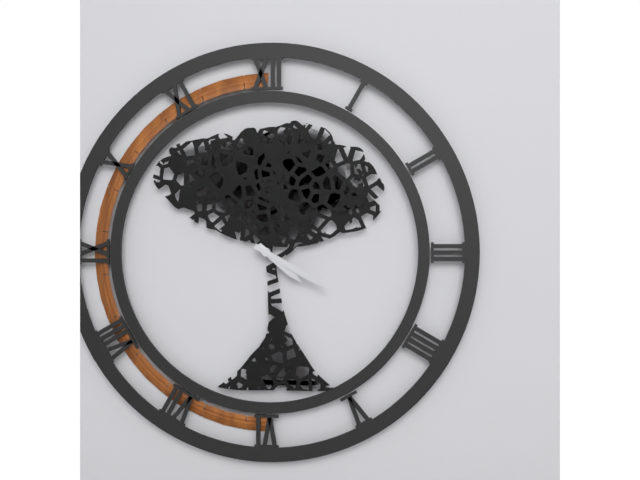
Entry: 4h20
